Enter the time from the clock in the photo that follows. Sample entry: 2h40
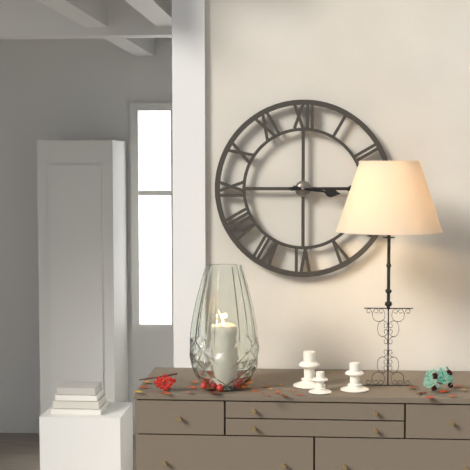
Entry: 3h15
